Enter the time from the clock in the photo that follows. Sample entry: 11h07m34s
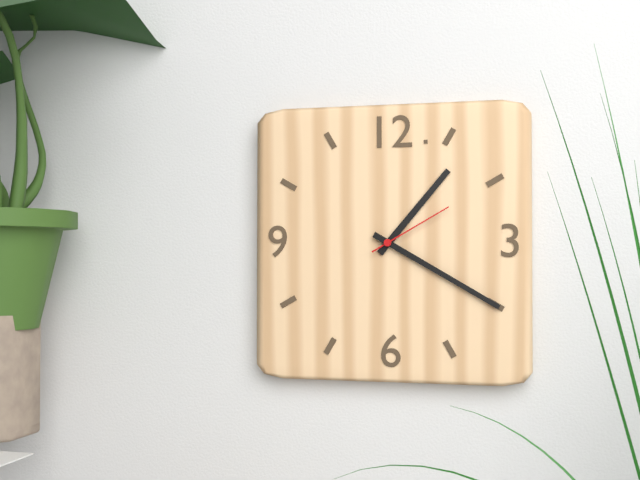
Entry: 1h20m10s
